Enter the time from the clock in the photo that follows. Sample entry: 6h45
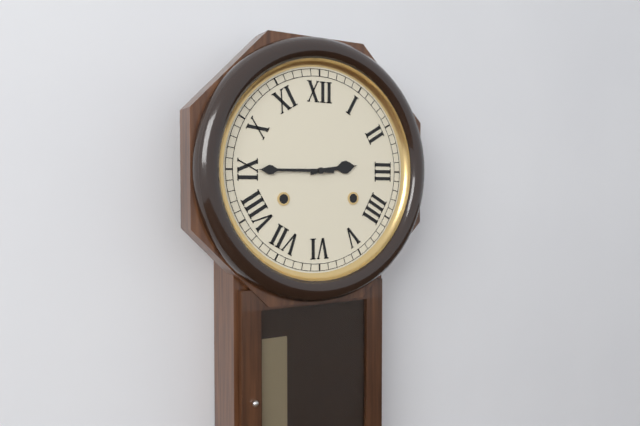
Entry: 2h45
